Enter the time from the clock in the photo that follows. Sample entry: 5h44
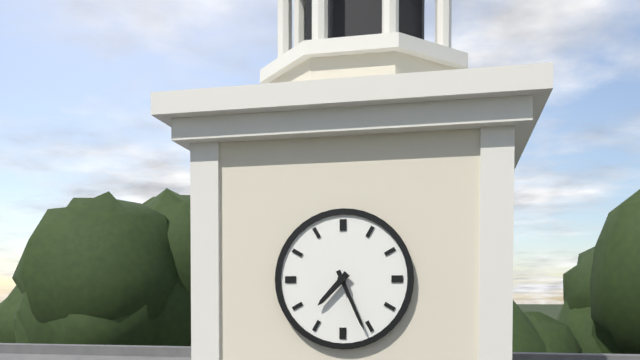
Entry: 7h26
